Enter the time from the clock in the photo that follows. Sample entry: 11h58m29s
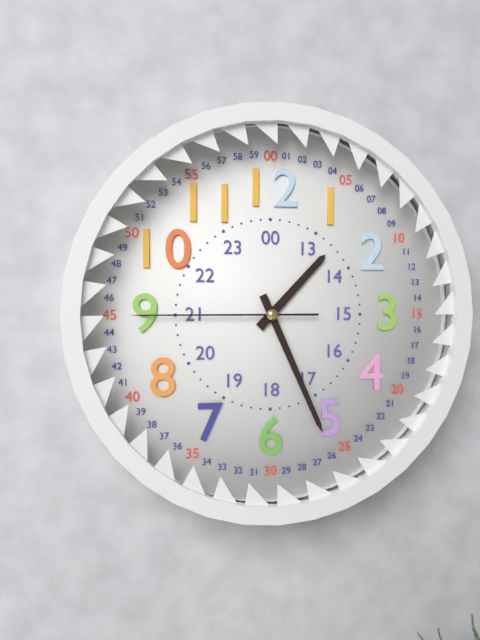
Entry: 1h26m45s
